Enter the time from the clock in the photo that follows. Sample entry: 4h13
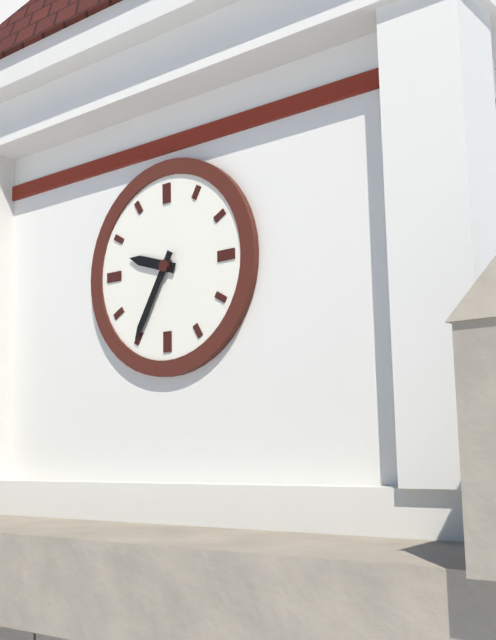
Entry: 9h35
